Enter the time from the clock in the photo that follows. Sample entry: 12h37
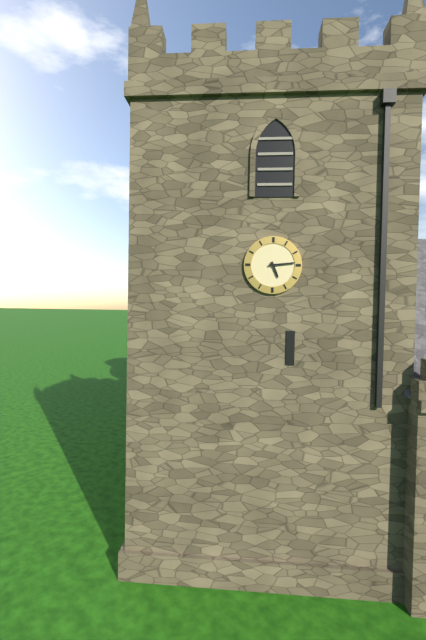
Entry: 5h14
